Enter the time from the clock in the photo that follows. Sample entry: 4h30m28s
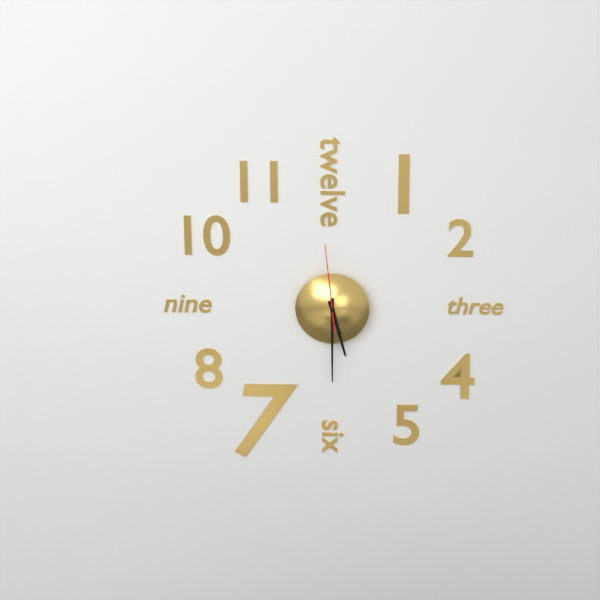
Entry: 5h30m59s
